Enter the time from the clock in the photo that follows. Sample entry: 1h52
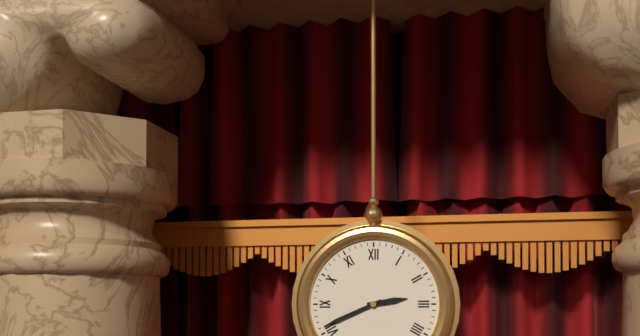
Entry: 2h41
